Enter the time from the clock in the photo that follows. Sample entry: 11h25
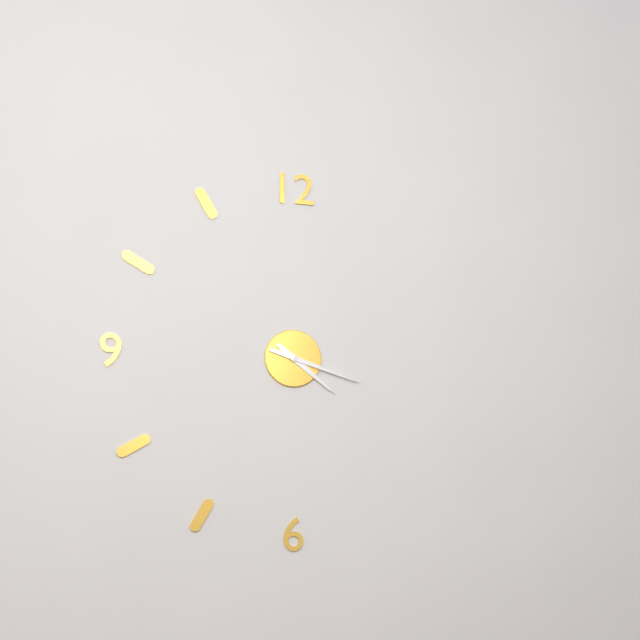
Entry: 4h18
